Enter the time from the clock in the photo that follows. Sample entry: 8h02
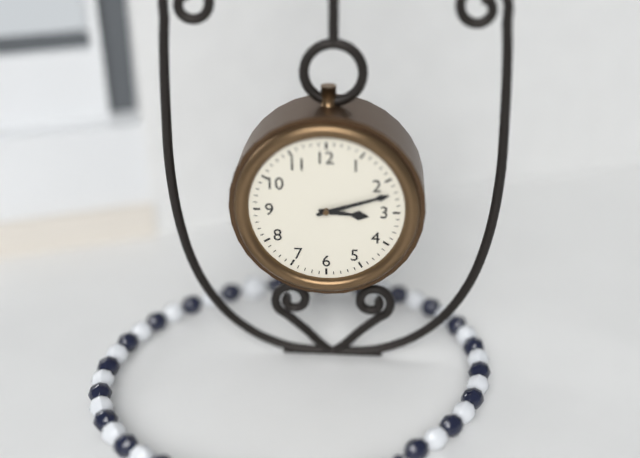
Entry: 3h12
